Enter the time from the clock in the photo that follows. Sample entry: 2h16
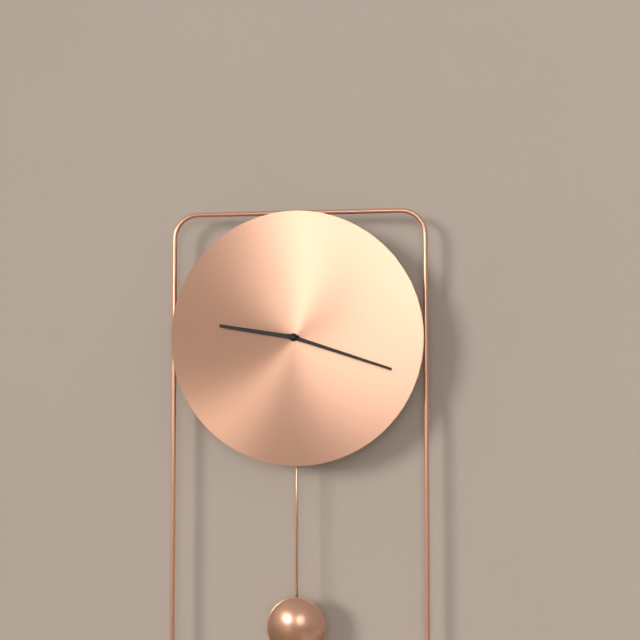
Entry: 9h18
